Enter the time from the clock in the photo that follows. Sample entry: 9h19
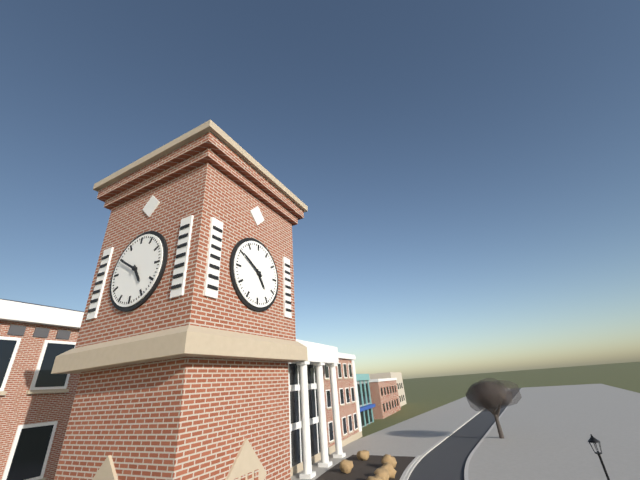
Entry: 4h50
